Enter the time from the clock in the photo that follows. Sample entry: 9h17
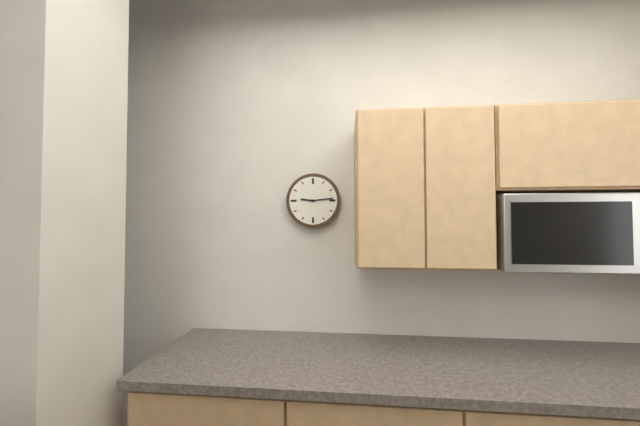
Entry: 9h14
